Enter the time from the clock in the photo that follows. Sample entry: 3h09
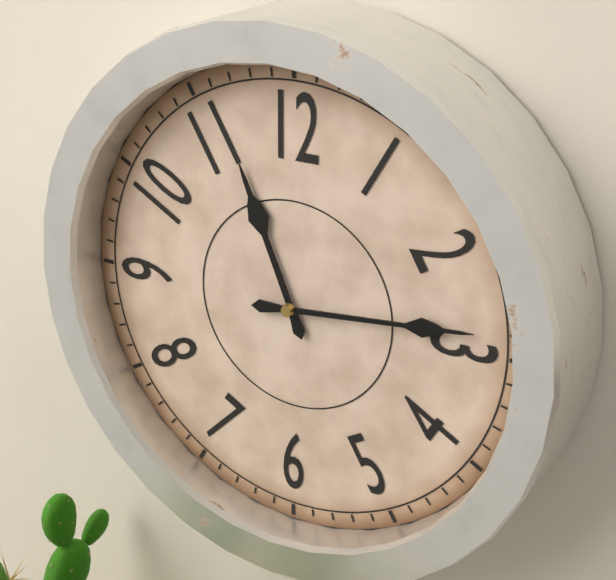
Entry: 11h14
